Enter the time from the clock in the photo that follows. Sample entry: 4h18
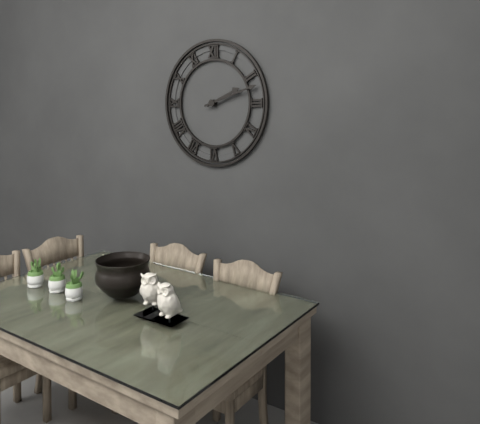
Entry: 2h12
